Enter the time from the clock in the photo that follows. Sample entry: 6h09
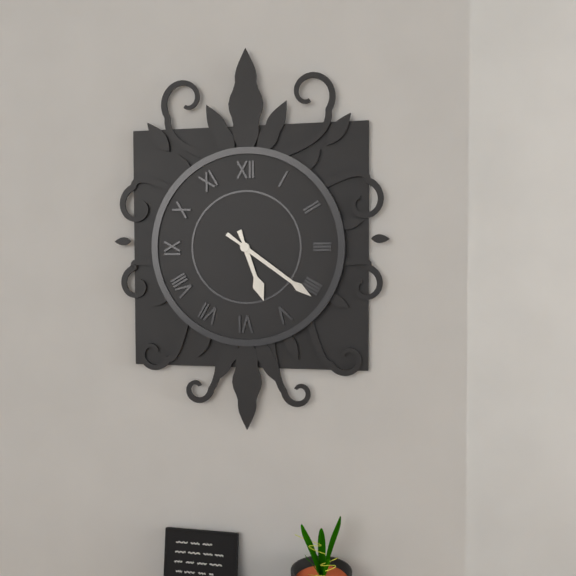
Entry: 5h21
